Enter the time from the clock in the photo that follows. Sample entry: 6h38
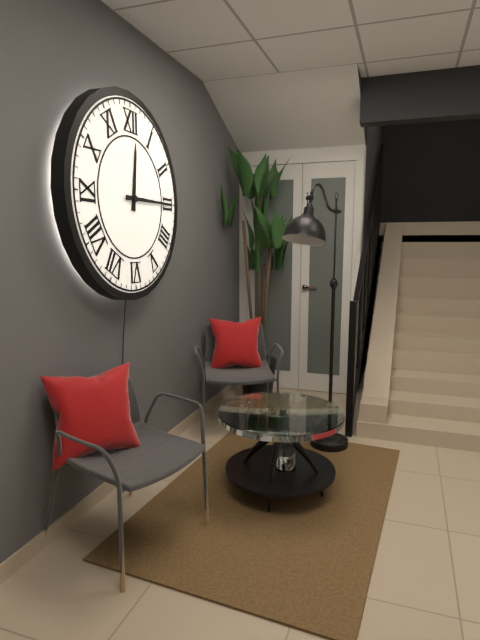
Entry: 12h15
